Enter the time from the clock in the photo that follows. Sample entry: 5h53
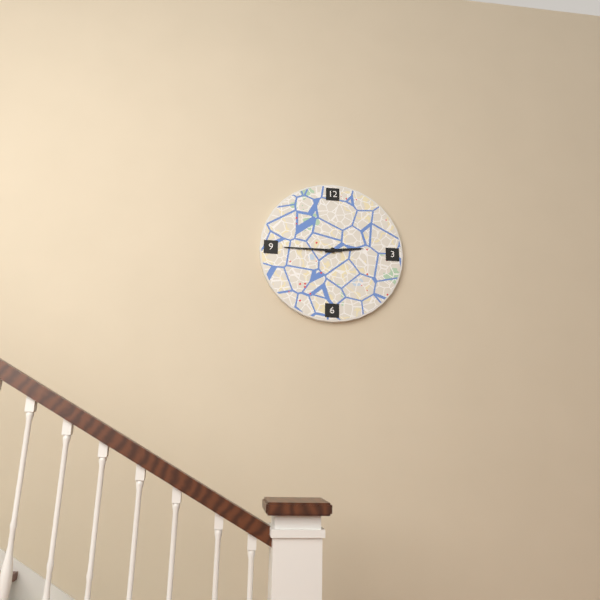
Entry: 2h45
